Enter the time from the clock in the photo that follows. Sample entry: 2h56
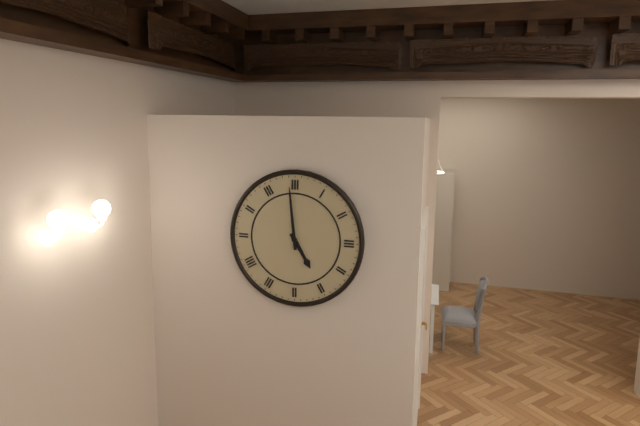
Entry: 4h59
